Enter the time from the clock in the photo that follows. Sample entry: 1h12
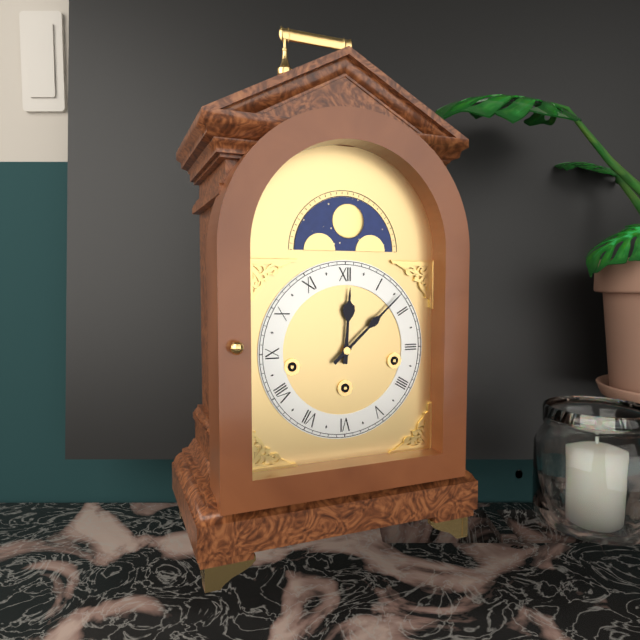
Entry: 12h08
